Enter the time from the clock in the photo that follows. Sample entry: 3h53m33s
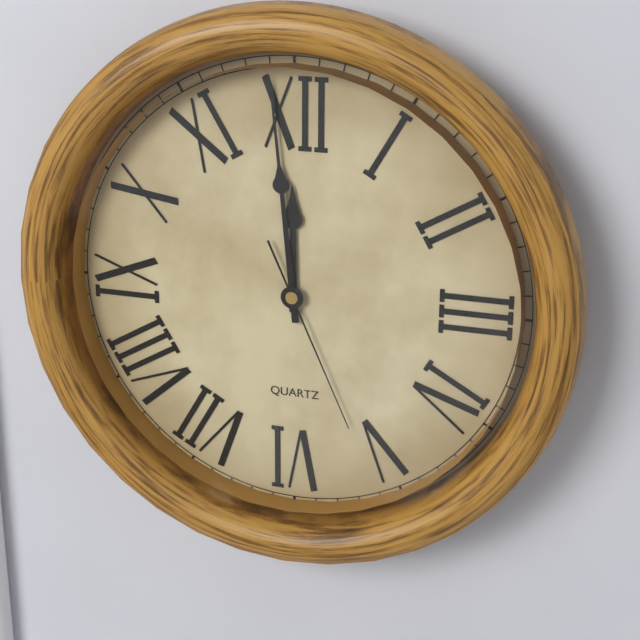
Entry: 11h59m26s
